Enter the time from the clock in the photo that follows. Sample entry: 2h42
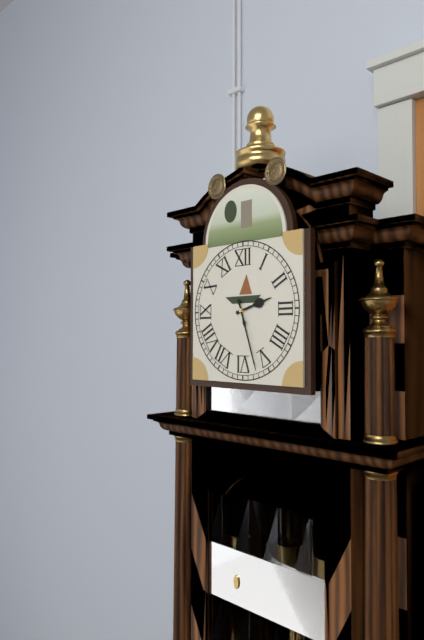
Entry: 2h27
